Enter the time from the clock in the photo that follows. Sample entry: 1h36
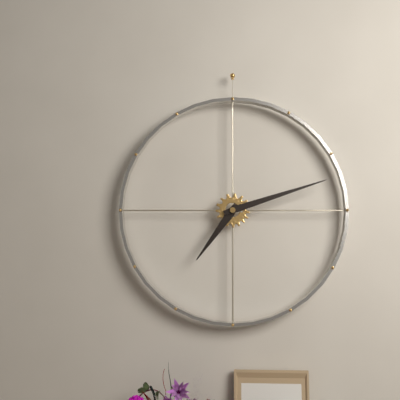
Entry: 7h12
